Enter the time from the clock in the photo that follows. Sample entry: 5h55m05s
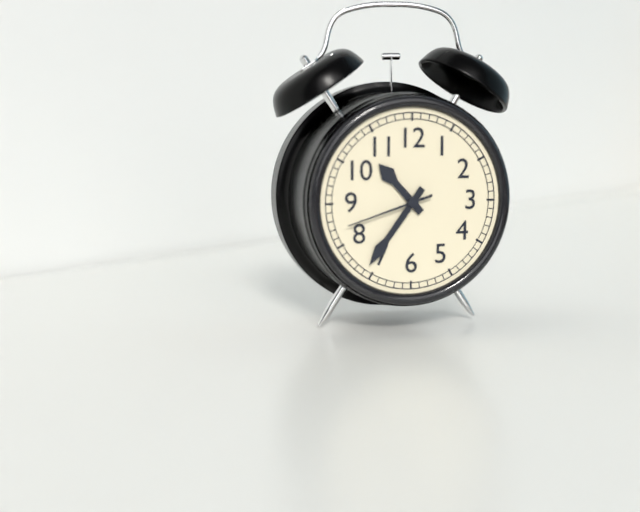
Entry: 10h36m42s
